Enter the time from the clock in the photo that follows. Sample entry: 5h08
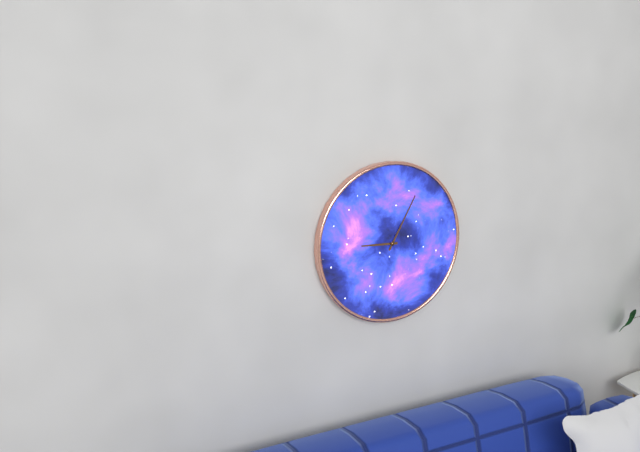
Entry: 9h05
